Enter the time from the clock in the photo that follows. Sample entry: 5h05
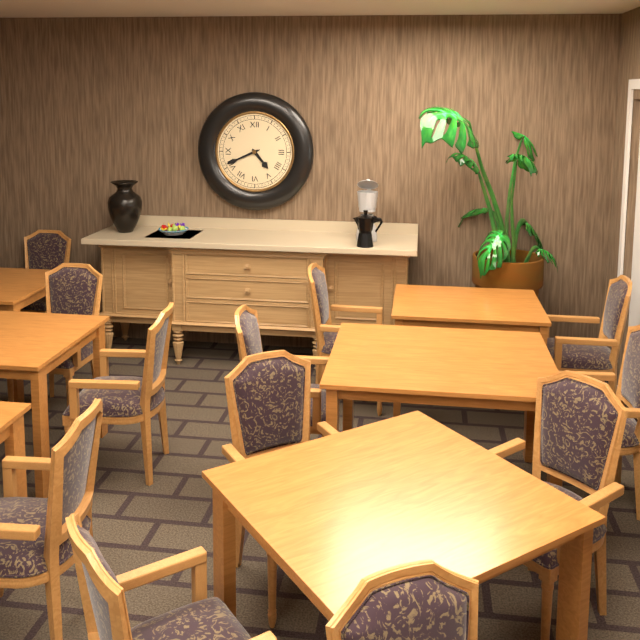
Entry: 4h41
